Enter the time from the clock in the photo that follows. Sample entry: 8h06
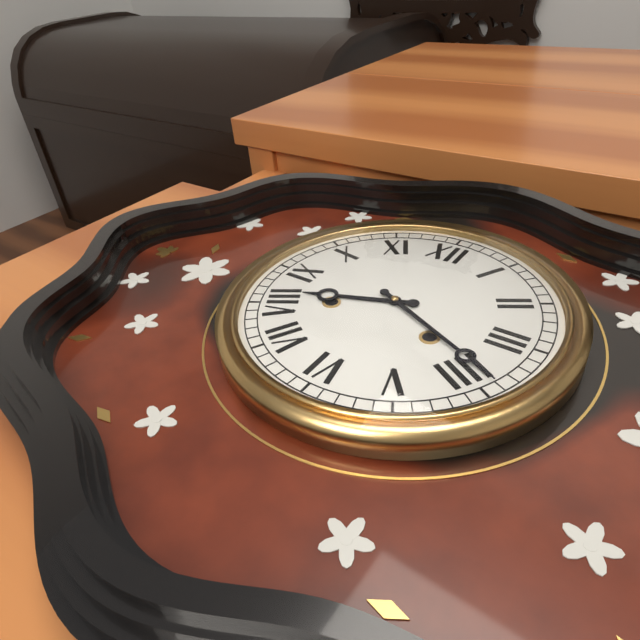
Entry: 8h19
